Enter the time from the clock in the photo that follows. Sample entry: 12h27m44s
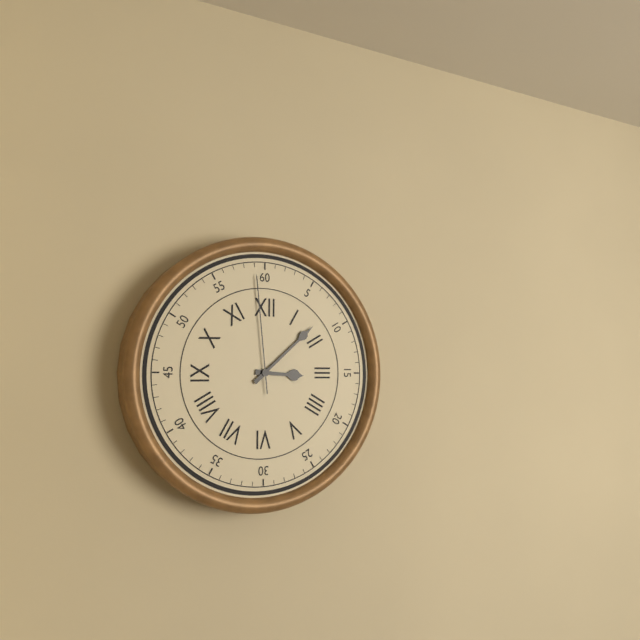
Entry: 3h08m59s
